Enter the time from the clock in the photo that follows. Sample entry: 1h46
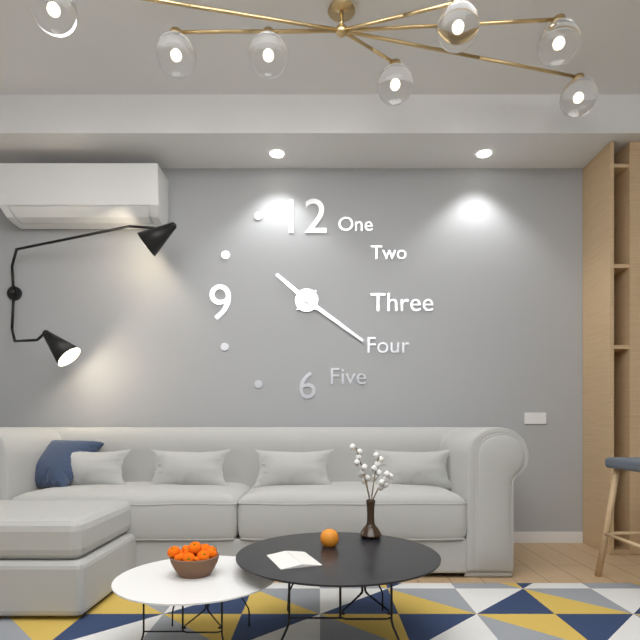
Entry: 10h21
